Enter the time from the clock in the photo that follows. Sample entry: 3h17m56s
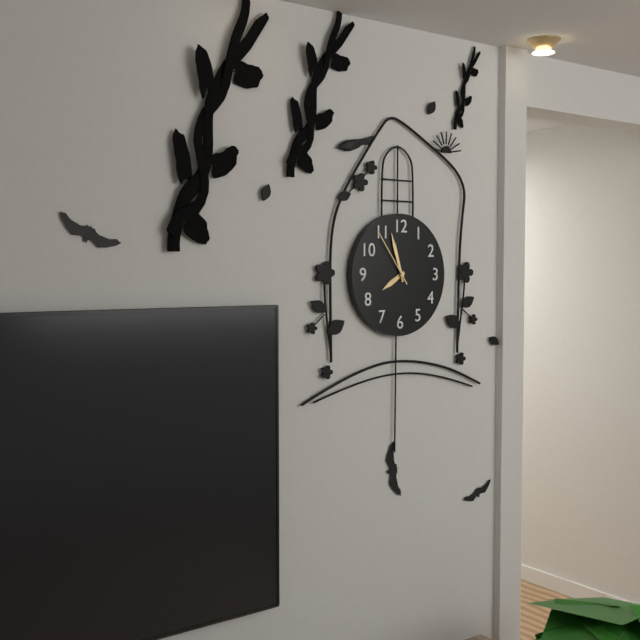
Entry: 7h57m54s
